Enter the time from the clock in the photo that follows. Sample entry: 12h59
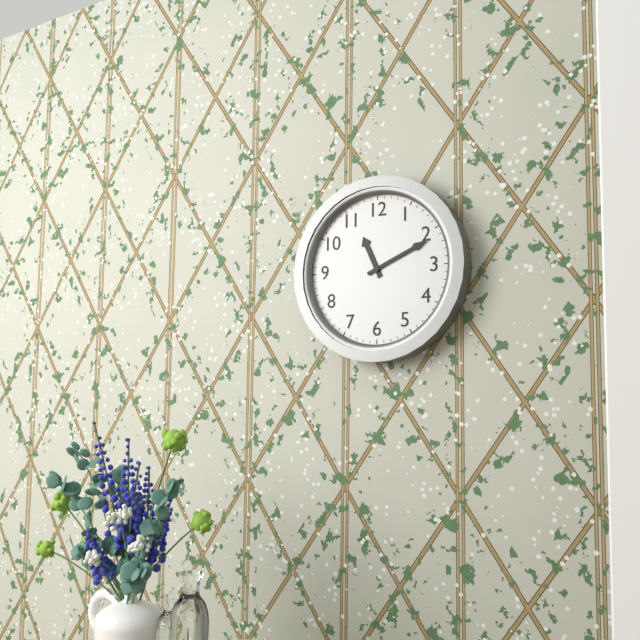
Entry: 11h11
